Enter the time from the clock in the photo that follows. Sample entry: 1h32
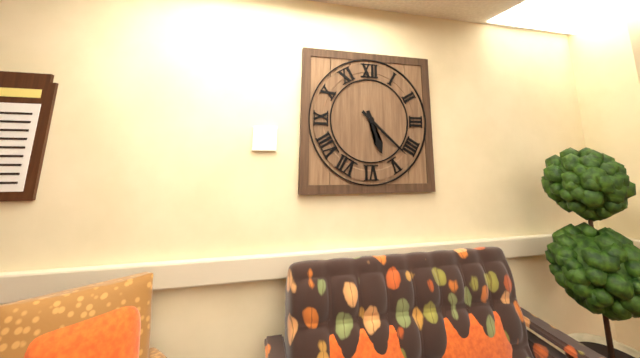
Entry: 5h22
